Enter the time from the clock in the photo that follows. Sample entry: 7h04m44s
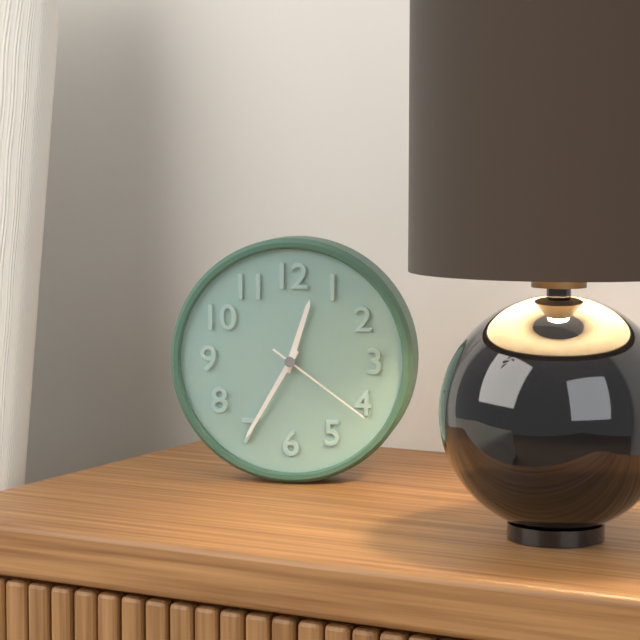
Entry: 12h35m21s
